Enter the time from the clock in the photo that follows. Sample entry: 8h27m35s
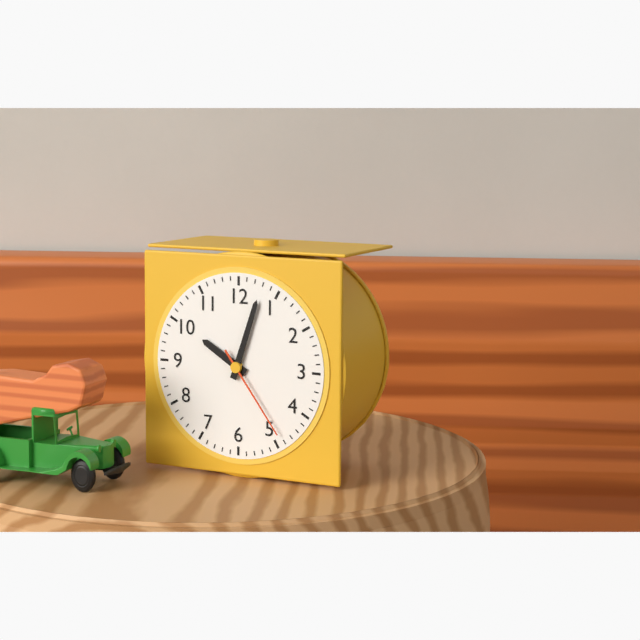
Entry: 10h03m24s
